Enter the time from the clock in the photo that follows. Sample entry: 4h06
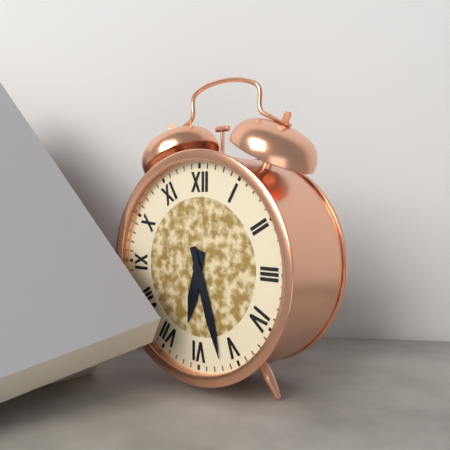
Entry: 6h27
